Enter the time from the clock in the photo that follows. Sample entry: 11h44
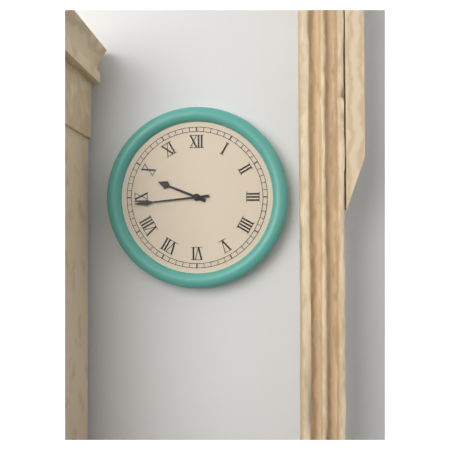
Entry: 9h44
